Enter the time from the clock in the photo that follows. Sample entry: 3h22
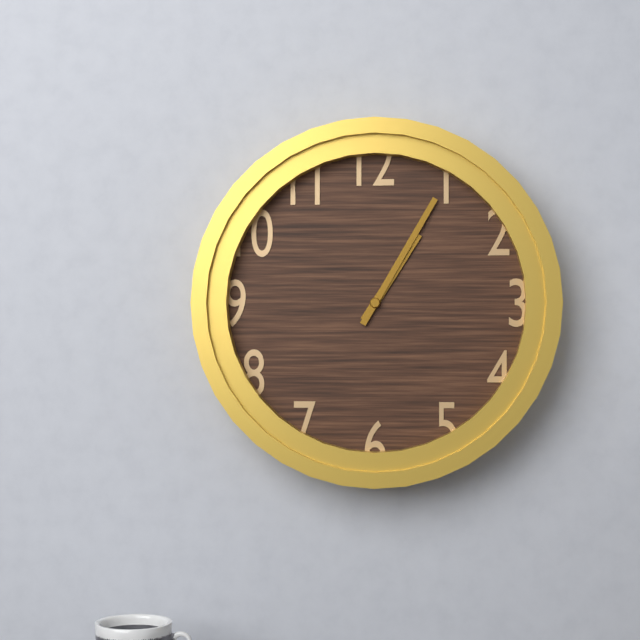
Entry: 1h05
